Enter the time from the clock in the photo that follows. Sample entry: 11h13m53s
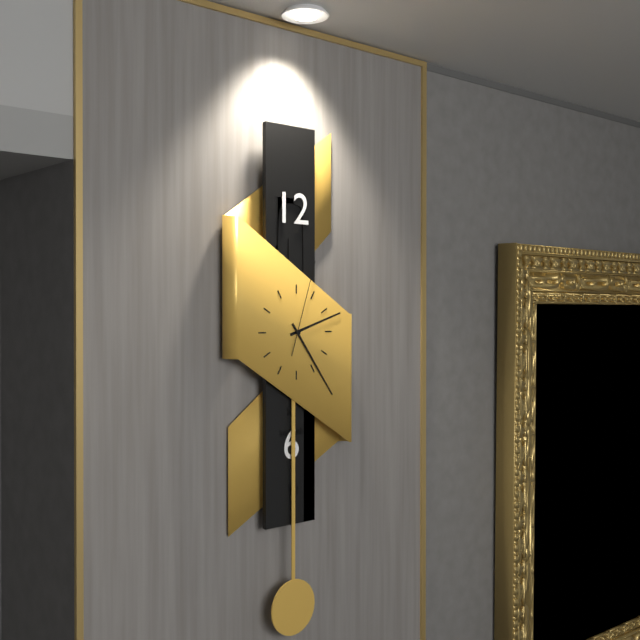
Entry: 2h24m03s
